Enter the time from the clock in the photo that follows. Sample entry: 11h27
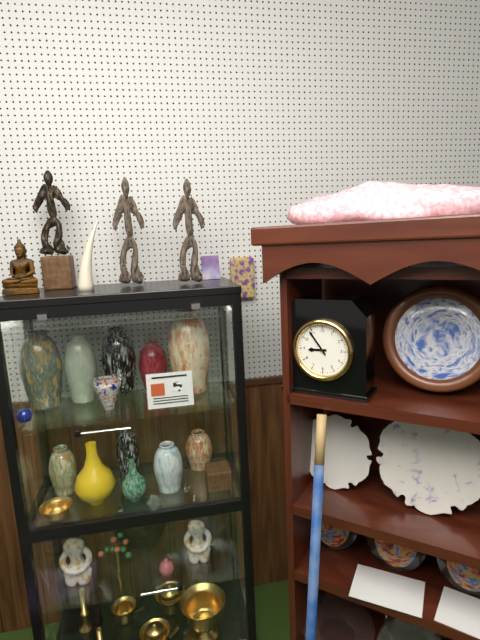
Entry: 8h54
